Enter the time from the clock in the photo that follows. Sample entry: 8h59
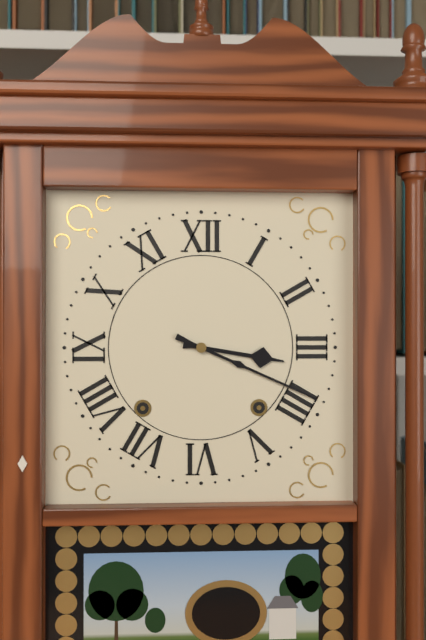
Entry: 3h19
